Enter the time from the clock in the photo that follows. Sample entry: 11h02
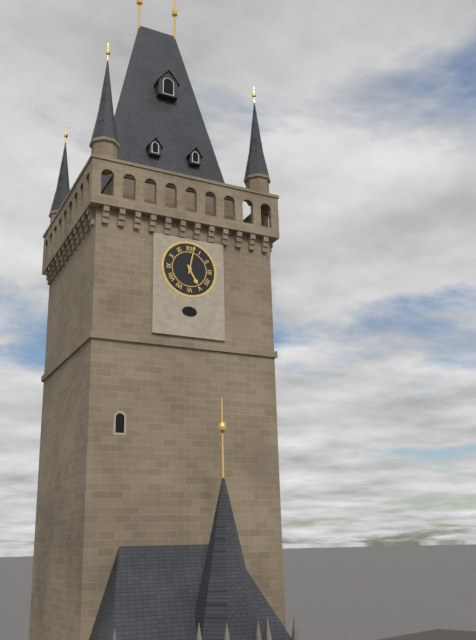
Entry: 5h02
